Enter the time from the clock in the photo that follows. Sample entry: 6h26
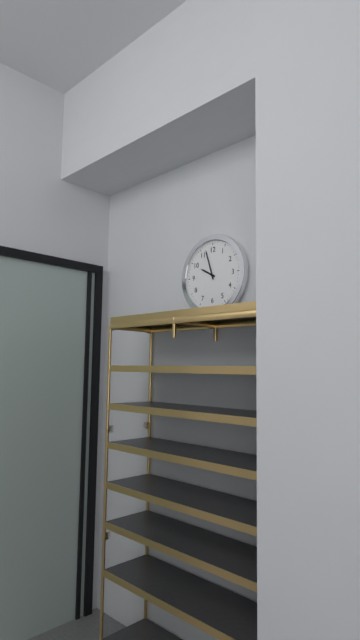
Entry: 9h57
